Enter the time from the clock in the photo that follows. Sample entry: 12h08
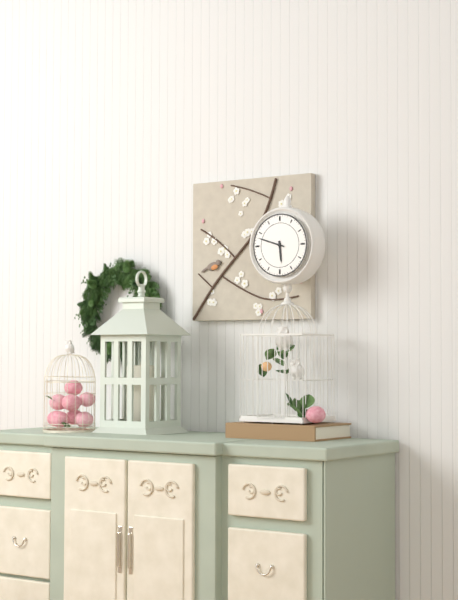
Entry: 5h48
